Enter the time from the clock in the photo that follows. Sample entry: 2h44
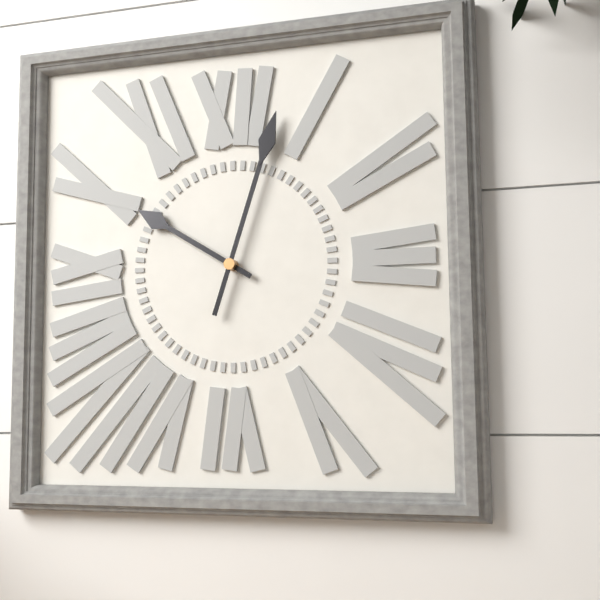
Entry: 10h03
